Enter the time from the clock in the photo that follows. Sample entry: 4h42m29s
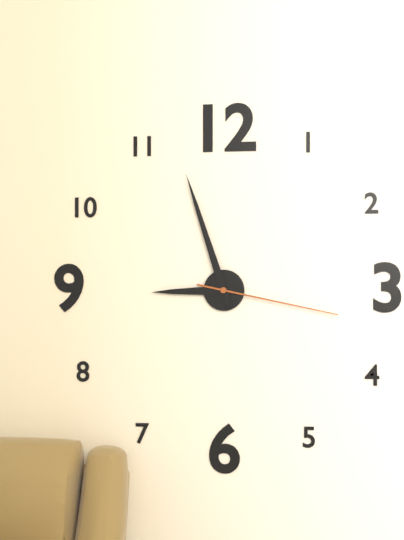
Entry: 8h57m17s
